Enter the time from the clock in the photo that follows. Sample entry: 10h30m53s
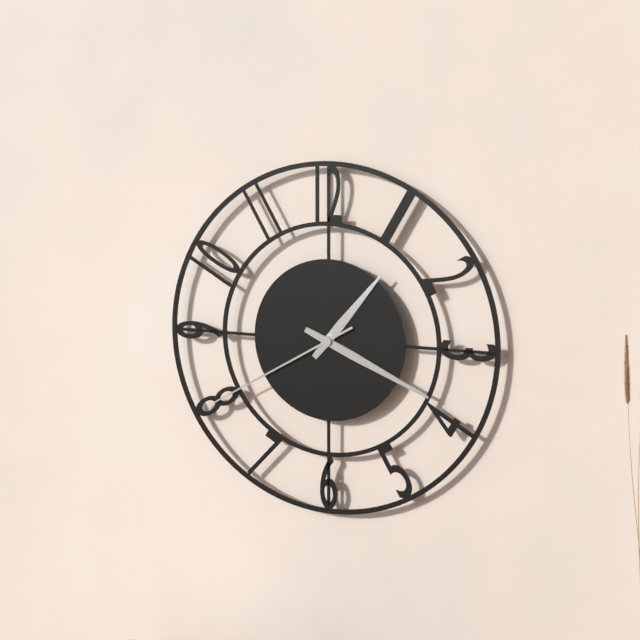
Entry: 1h19m40s
